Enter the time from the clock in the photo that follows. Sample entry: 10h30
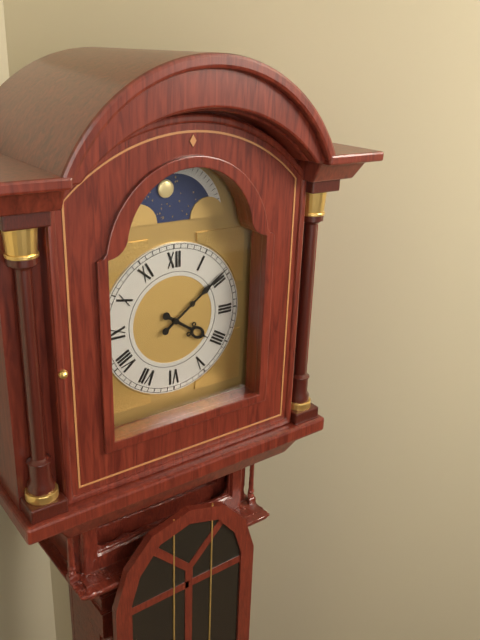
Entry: 4h09
